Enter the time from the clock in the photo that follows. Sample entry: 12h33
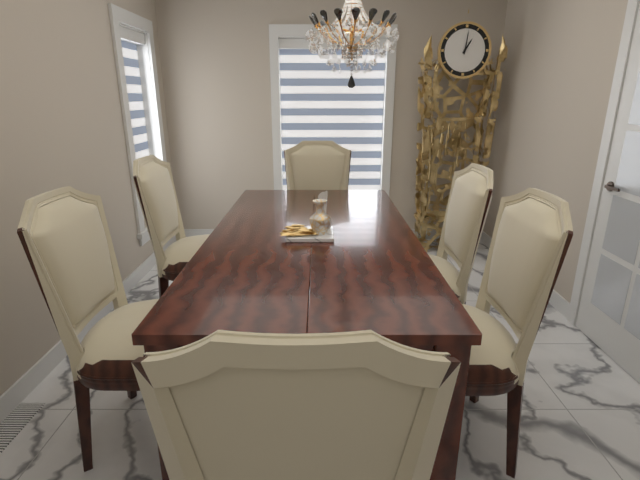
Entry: 1h01
